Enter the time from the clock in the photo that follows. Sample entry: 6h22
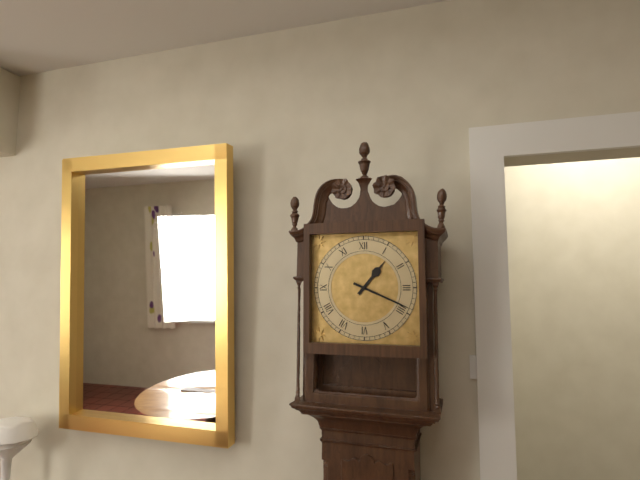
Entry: 1h19
